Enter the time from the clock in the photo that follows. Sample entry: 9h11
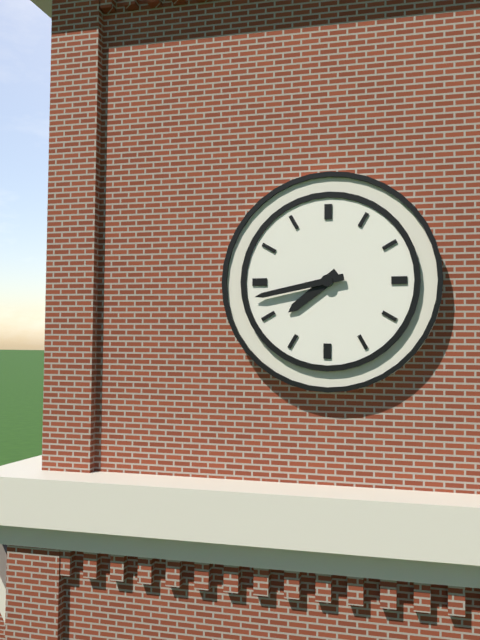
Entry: 7h43
